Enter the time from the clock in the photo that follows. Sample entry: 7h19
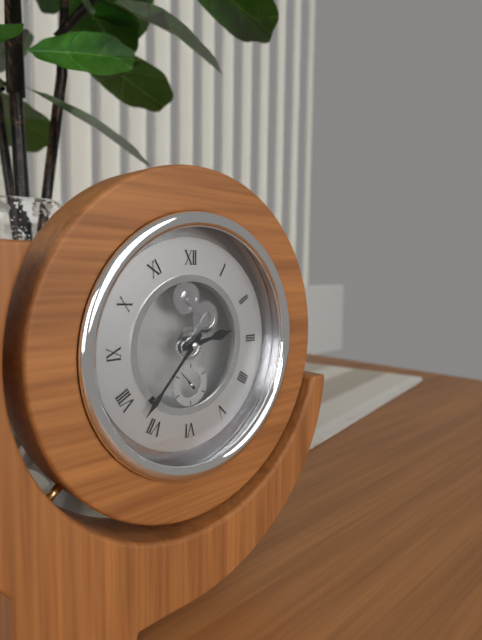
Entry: 2h37
